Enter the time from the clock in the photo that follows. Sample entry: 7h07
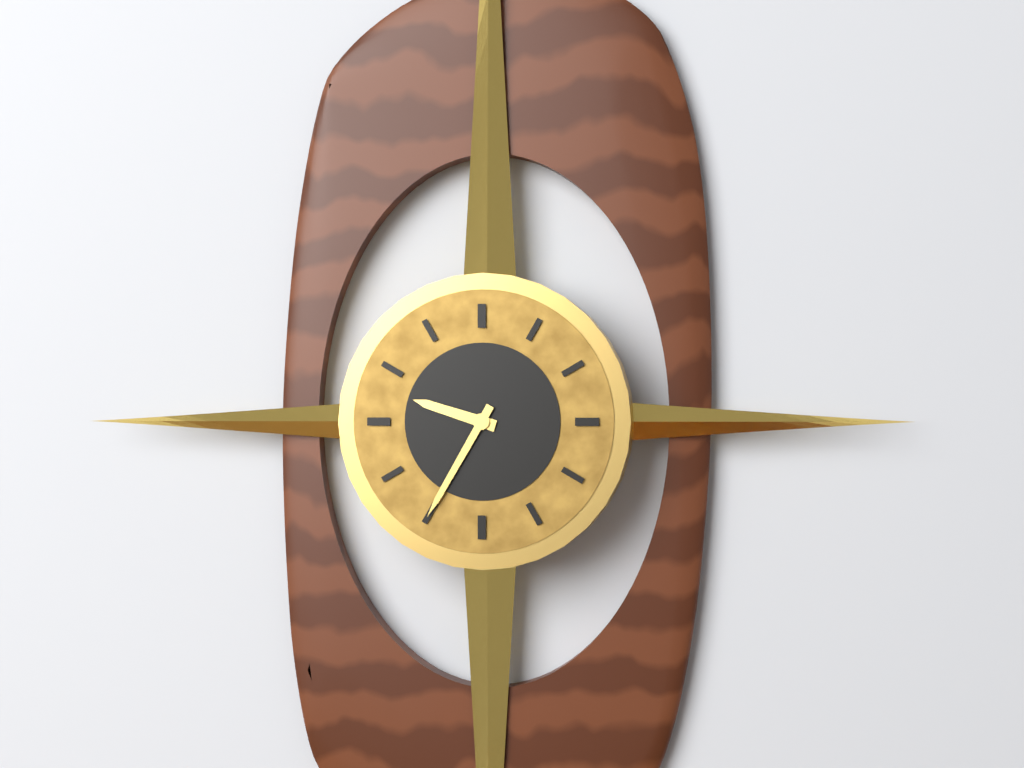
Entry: 9h35
